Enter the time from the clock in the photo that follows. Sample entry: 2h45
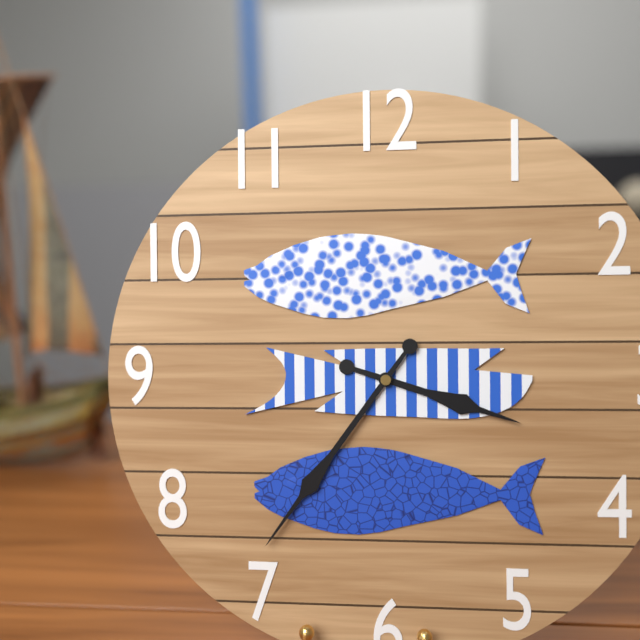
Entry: 3h36
